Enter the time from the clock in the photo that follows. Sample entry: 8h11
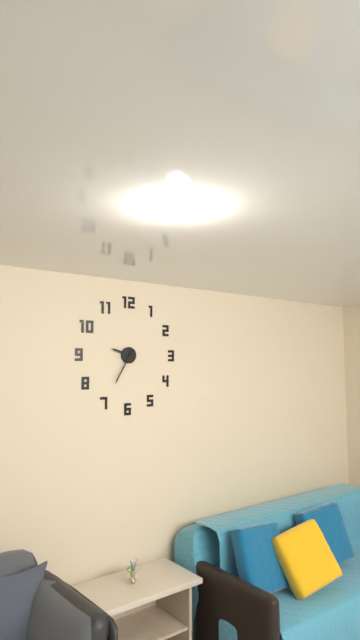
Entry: 9h35
